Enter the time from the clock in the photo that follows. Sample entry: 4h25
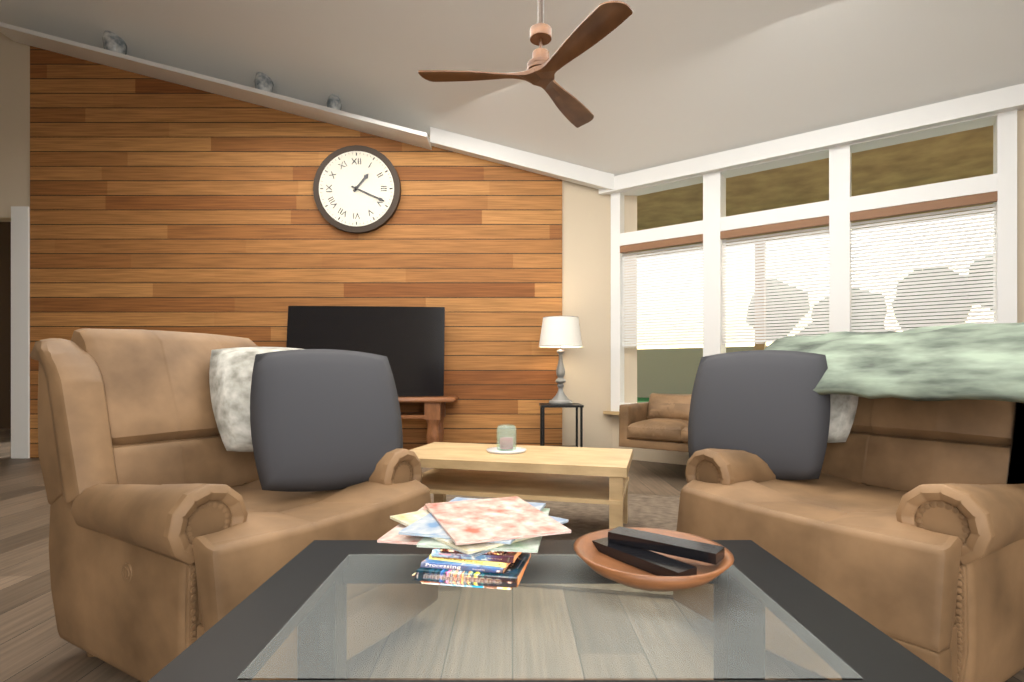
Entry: 1h19
